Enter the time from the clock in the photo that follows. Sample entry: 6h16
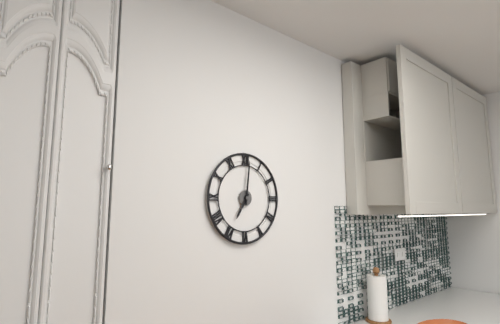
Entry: 7h01
